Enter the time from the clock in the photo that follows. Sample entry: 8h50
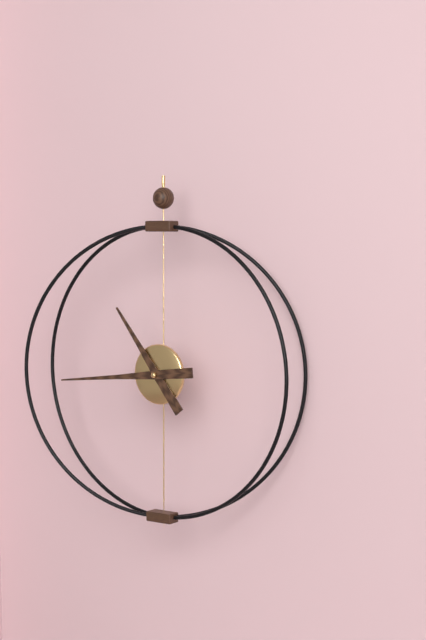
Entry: 10h44
